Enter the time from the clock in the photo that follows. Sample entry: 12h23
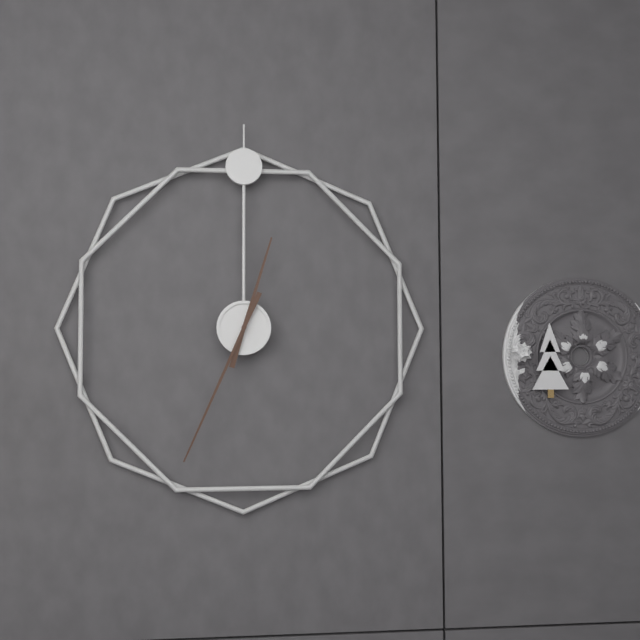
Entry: 12h34
